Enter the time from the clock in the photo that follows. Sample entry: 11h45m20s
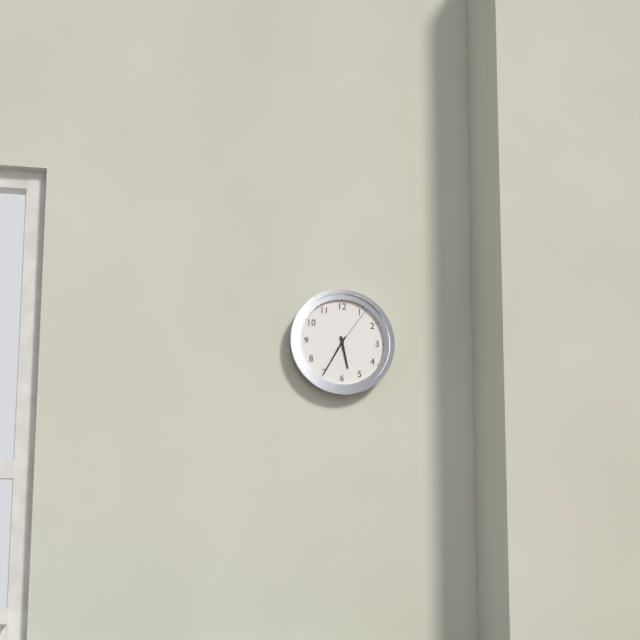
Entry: 5h35m06s
